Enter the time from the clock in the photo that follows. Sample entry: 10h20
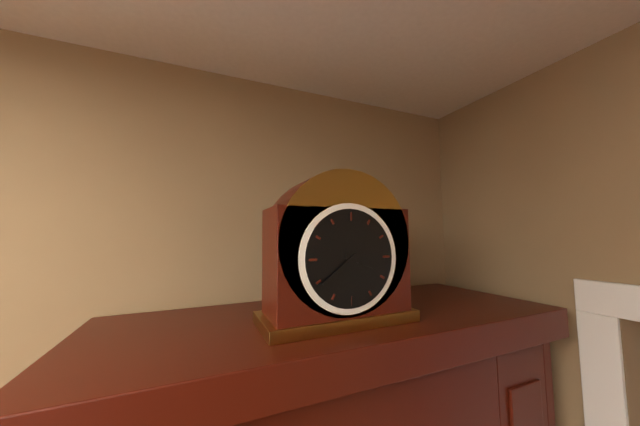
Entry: 3h39
